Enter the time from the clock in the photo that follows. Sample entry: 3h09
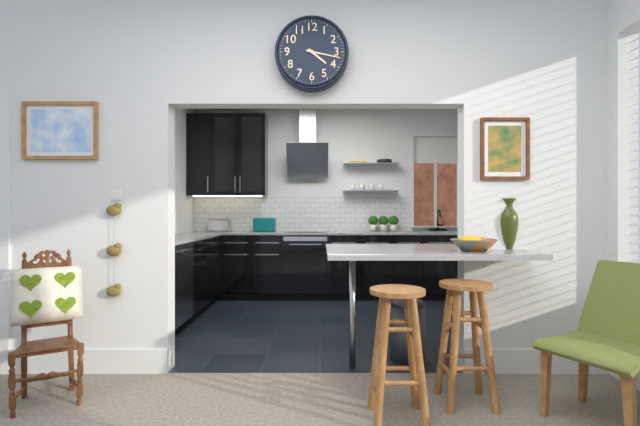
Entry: 4h17
